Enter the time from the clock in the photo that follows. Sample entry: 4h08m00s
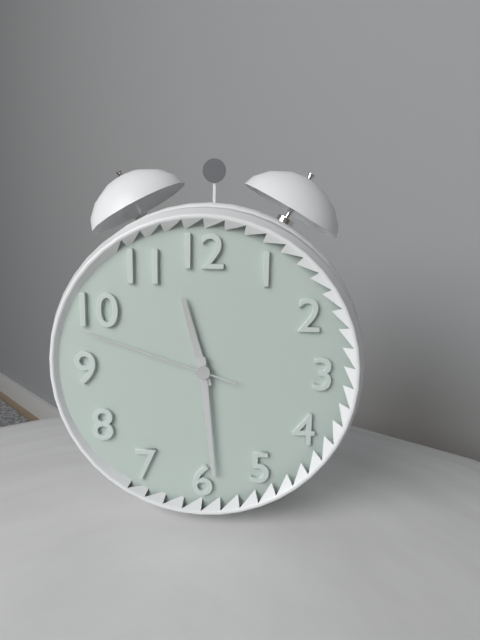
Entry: 11h29m48s
